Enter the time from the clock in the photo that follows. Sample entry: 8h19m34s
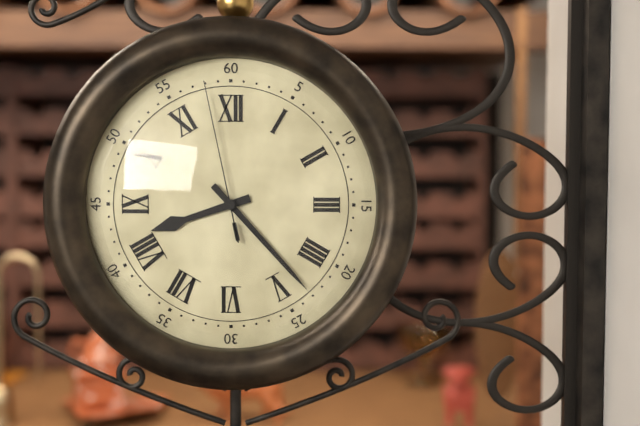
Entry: 8h23m58s
